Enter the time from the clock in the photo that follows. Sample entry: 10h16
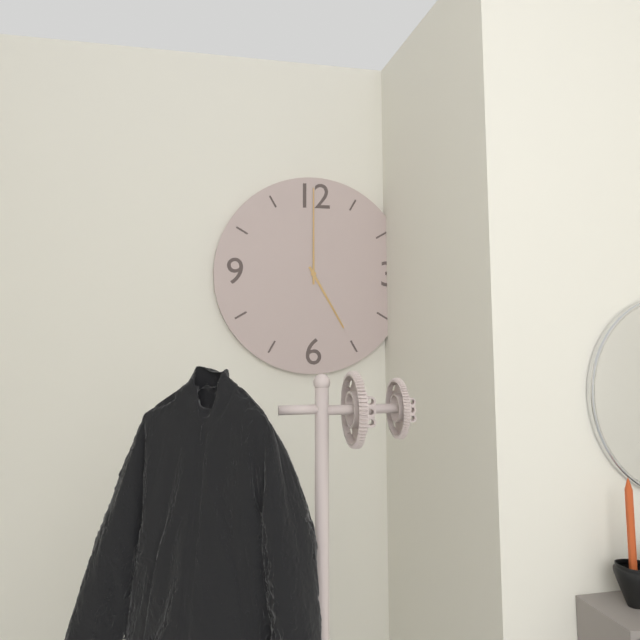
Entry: 5h00
